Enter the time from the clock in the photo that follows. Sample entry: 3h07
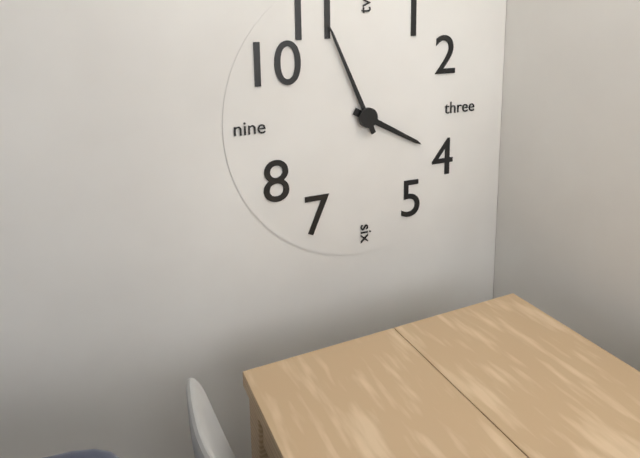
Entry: 3h56
